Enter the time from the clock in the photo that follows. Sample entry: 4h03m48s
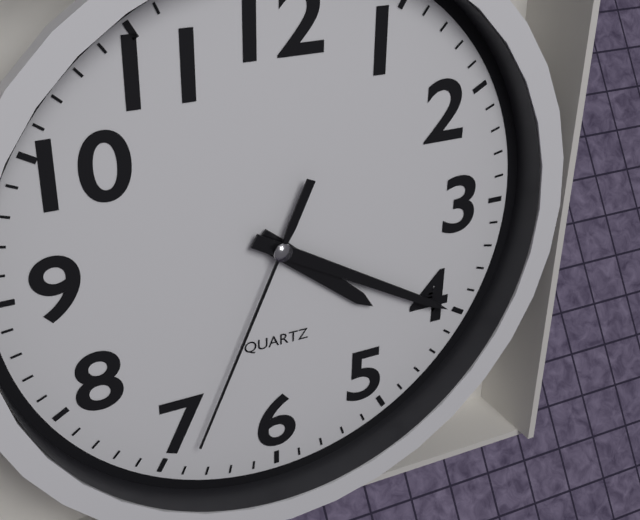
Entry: 4h20m34s
